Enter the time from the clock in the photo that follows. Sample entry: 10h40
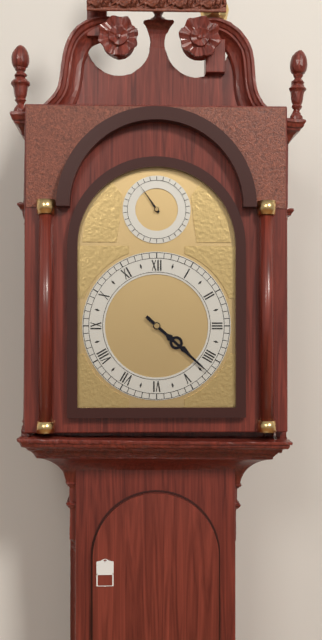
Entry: 4h22
